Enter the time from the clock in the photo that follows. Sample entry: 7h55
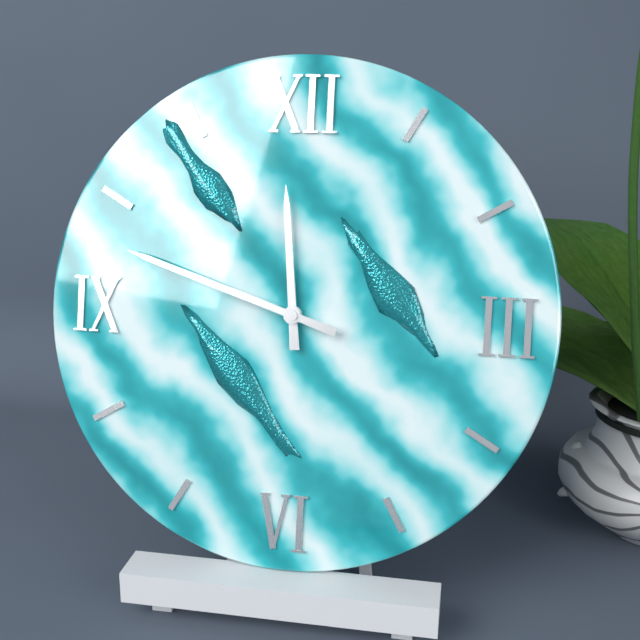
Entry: 11h48
